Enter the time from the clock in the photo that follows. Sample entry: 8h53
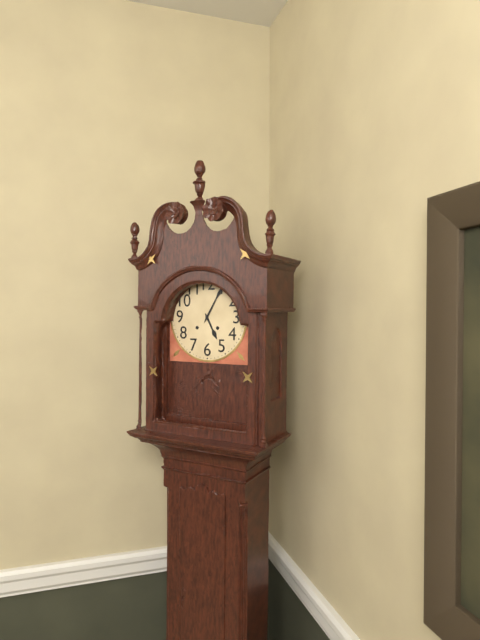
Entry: 5h05
